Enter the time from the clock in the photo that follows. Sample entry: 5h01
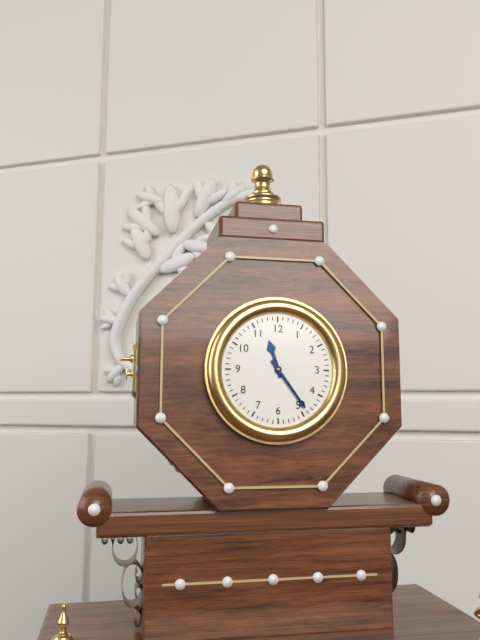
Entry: 11h24
